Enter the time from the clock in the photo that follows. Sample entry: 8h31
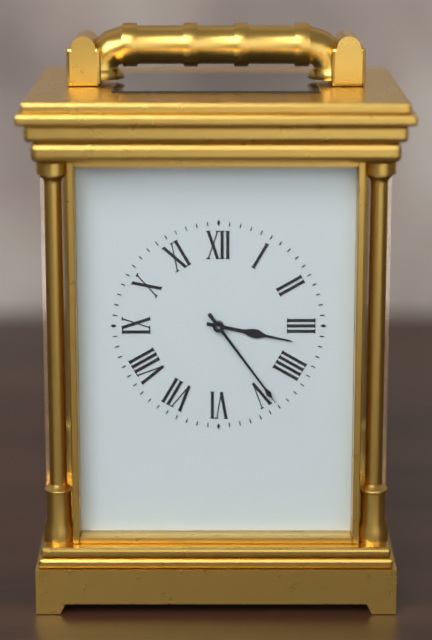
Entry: 3h24
